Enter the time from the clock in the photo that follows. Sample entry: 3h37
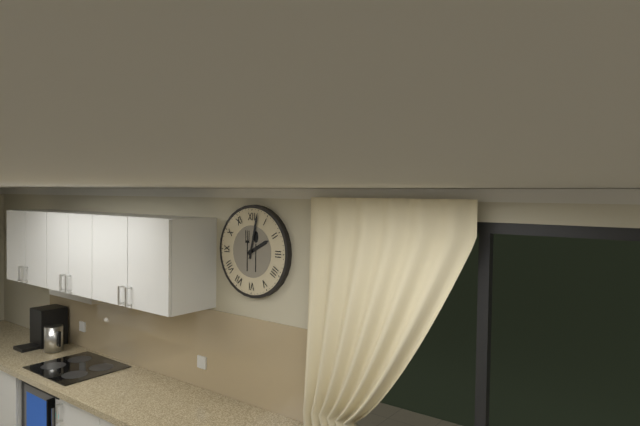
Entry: 2h02
